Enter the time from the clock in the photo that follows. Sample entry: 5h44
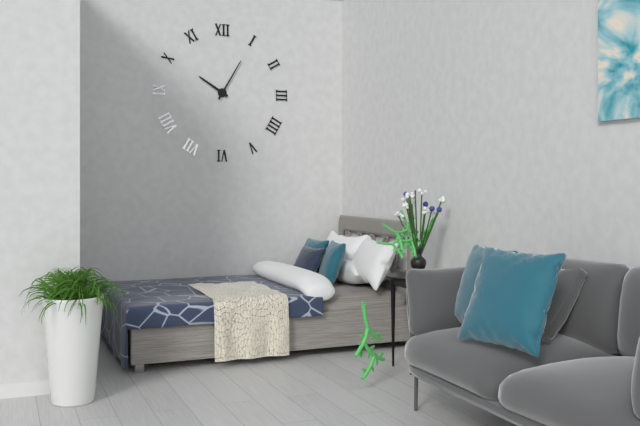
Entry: 10h05
